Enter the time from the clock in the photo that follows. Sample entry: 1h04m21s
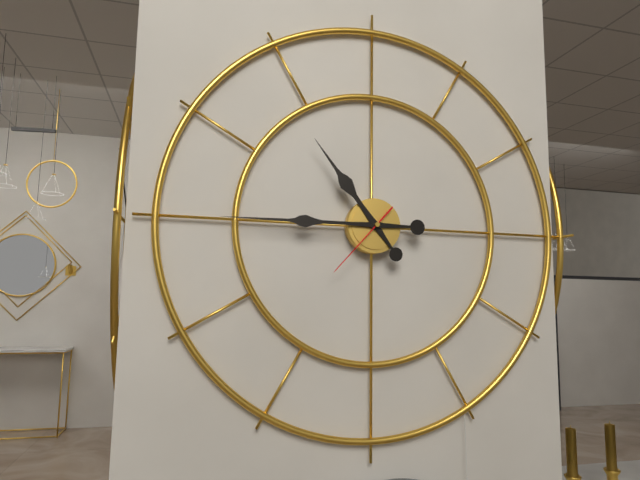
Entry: 10h45m37s
